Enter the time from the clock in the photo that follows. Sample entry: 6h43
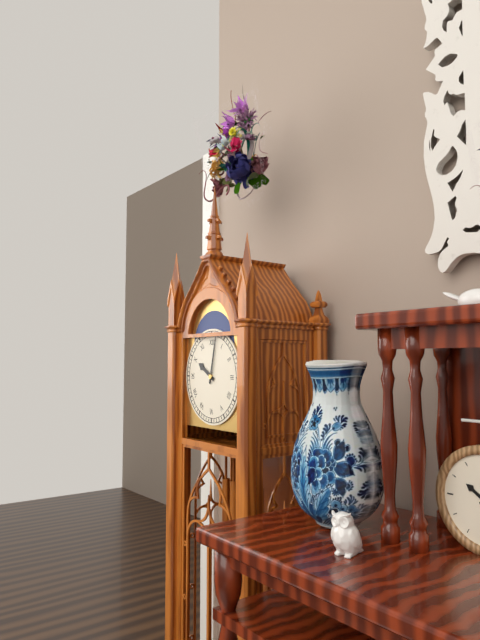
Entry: 10h02
